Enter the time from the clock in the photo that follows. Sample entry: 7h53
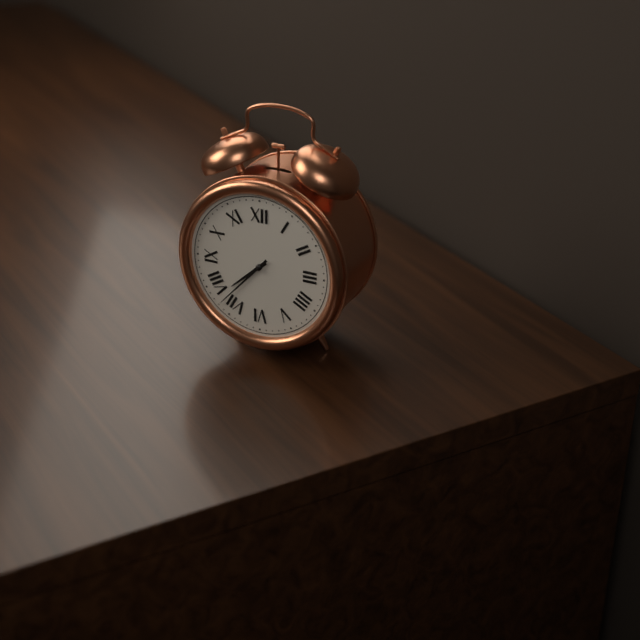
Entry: 7h37
